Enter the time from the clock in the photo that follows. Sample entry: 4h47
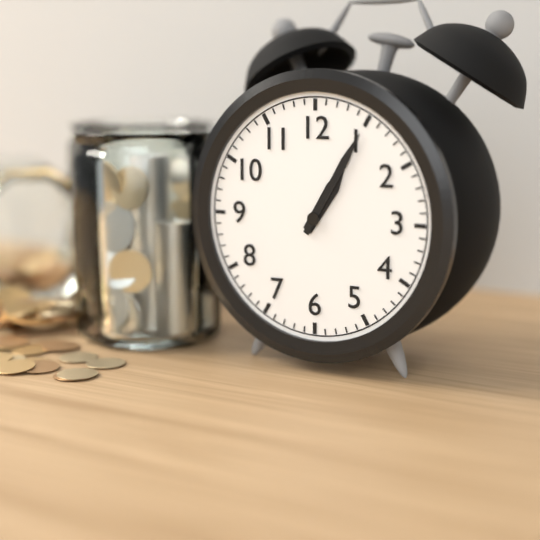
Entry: 1h05
